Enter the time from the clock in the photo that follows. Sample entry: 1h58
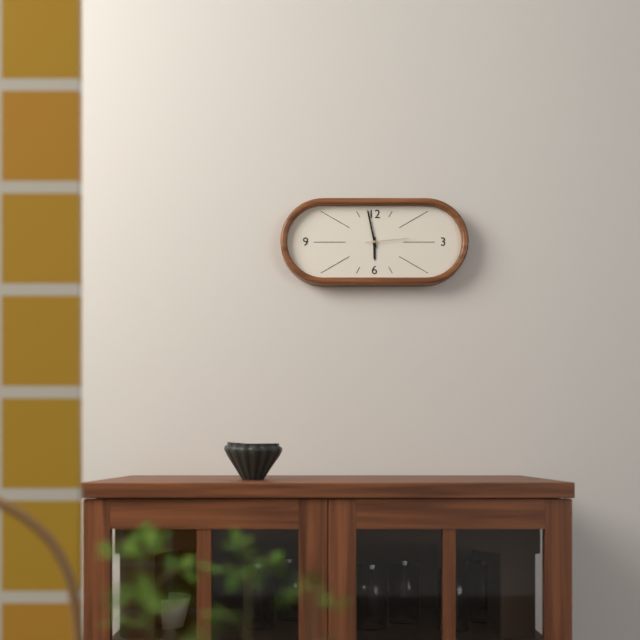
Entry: 5h58
